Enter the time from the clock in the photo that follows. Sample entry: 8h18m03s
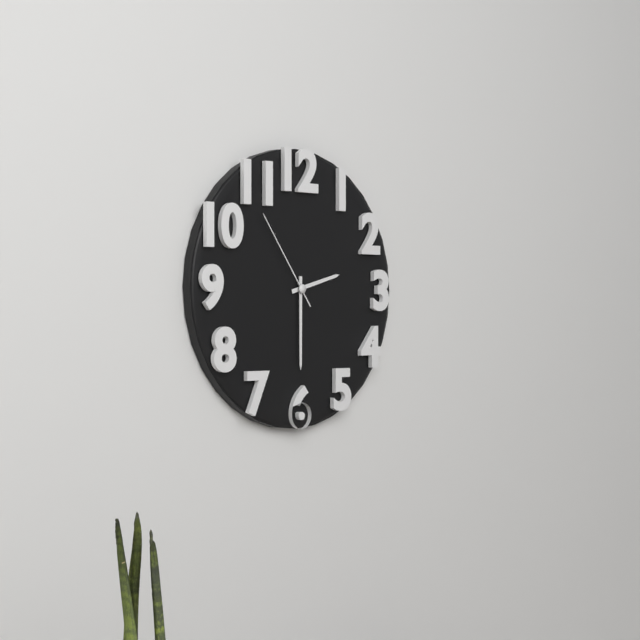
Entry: 2h30m54s
